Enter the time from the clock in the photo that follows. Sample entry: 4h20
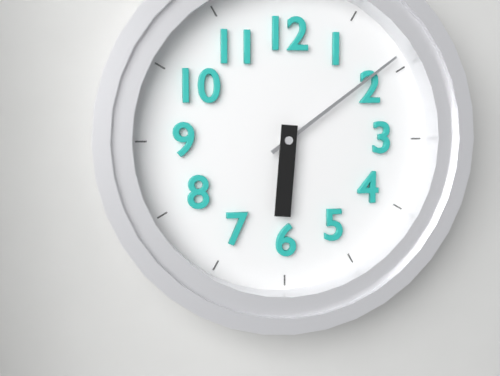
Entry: 6h09
